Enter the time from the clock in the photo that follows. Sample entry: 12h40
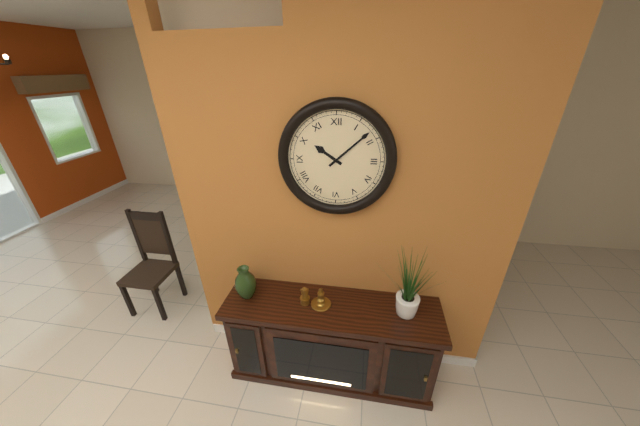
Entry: 10h08
